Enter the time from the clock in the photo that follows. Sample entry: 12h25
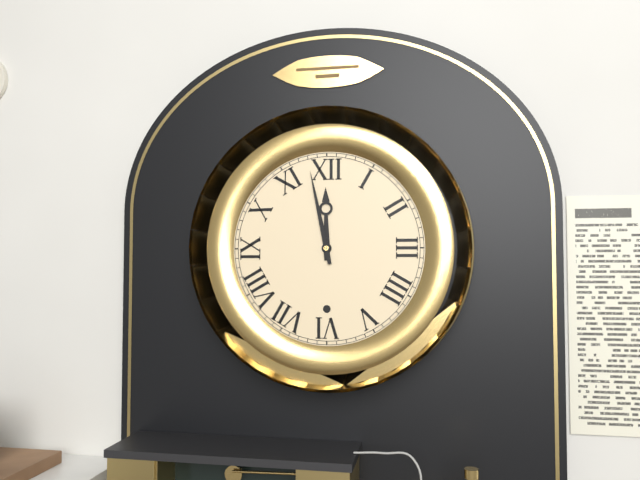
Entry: 11h58
